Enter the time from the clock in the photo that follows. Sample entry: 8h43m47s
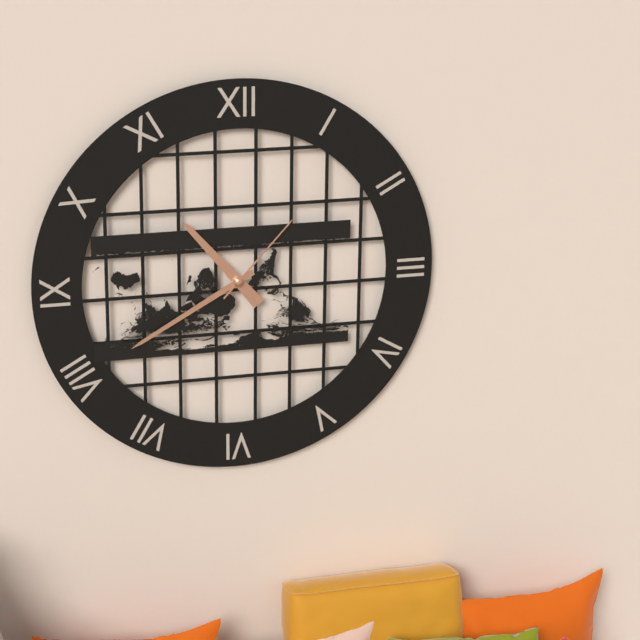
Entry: 10h40m07s
